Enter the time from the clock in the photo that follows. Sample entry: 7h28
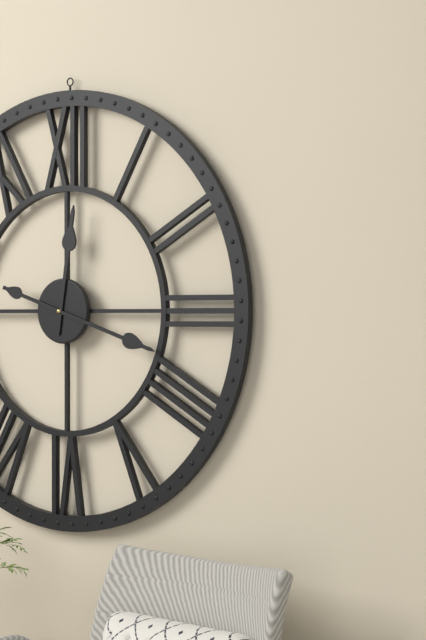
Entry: 12h18
